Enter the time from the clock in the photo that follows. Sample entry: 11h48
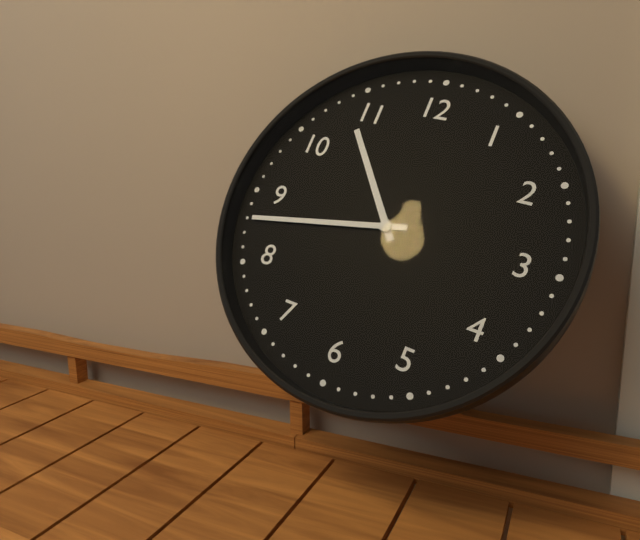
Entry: 10h43
